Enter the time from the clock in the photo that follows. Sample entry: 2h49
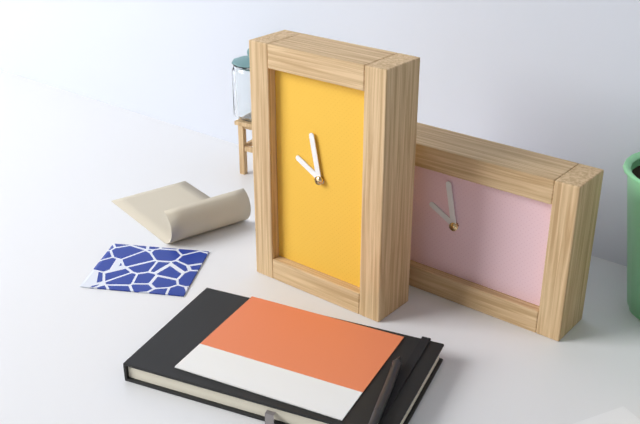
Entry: 9h58
